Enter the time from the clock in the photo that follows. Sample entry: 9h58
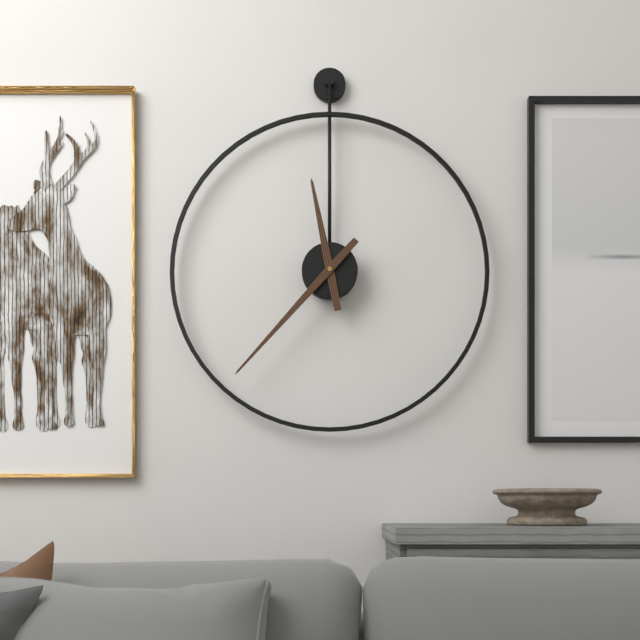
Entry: 11h37
